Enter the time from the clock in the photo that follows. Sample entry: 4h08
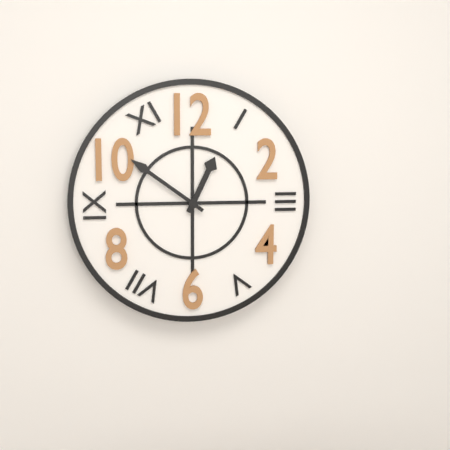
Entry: 12h51
